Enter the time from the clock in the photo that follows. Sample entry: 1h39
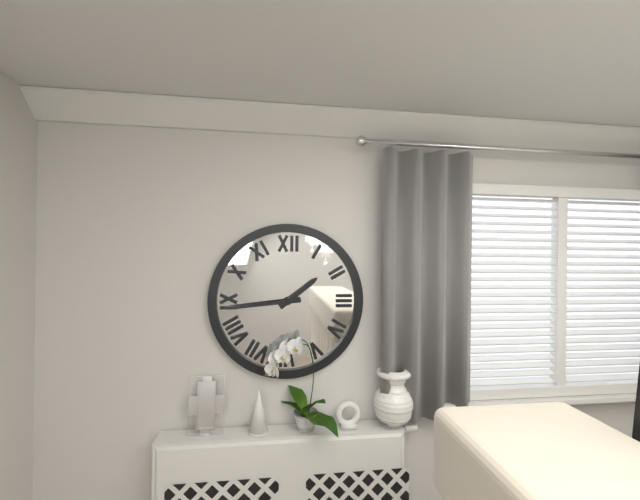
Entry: 1h44
